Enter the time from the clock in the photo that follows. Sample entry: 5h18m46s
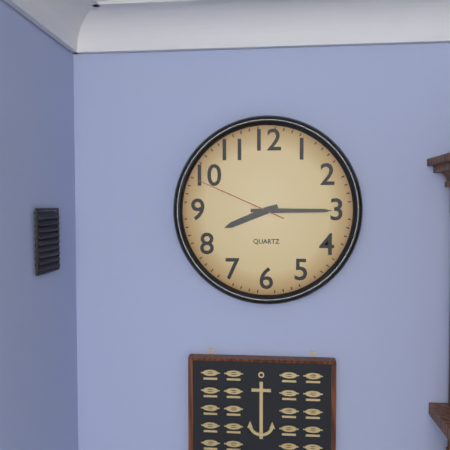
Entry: 8h15m49s
